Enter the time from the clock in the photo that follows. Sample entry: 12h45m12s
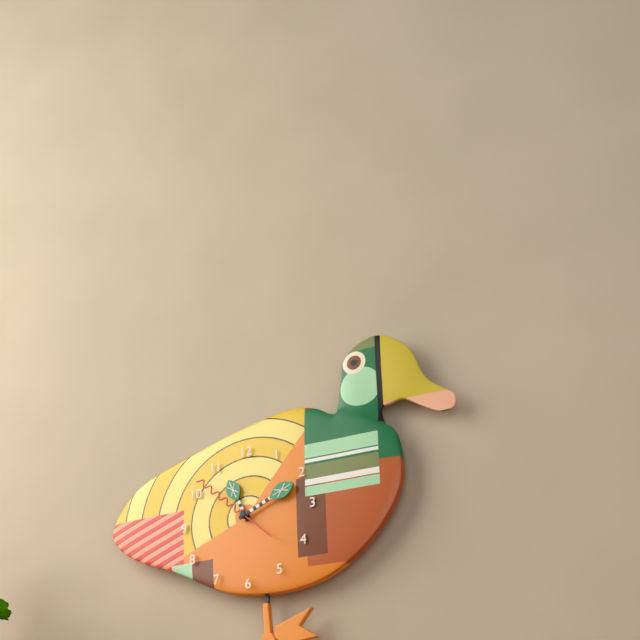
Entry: 11h11m52s
